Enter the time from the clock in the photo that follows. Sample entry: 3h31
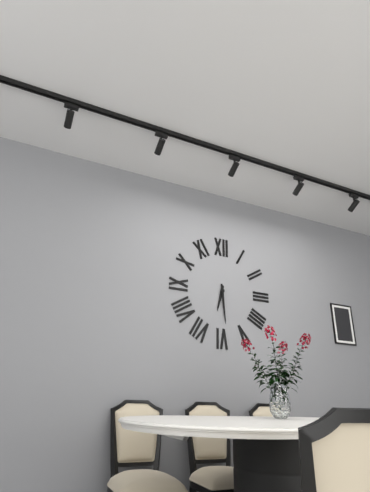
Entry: 6h29
